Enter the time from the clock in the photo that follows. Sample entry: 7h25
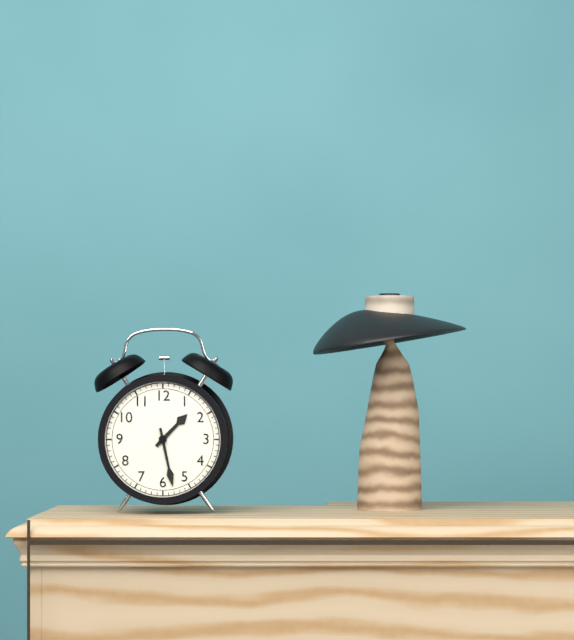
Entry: 1h28
